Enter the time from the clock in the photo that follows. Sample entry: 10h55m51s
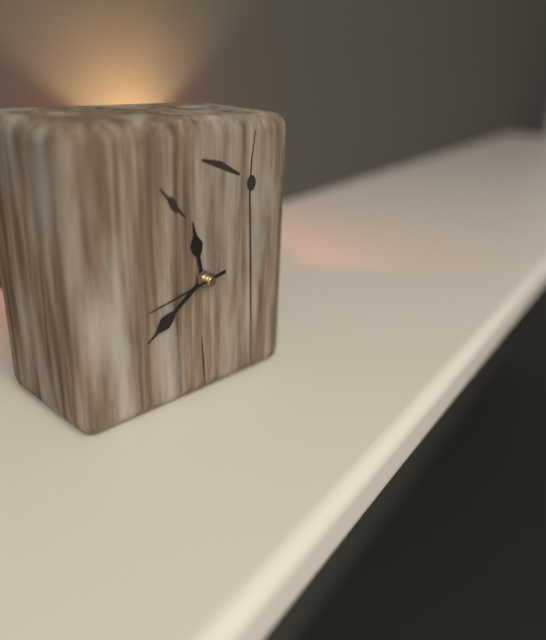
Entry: 11h39m43s
